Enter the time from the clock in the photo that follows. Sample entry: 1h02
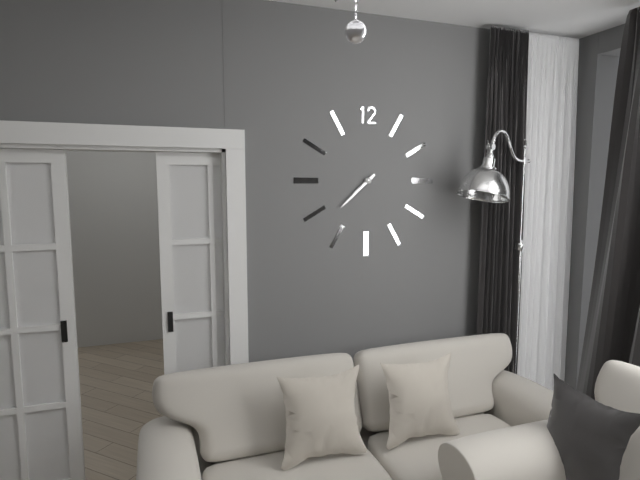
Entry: 7h38
